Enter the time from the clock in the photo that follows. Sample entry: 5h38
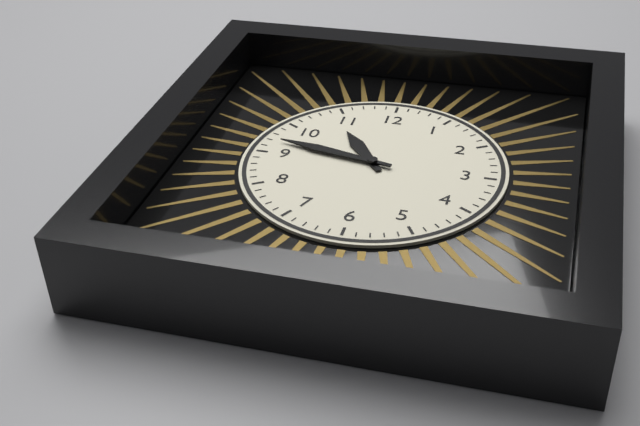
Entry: 10h47
